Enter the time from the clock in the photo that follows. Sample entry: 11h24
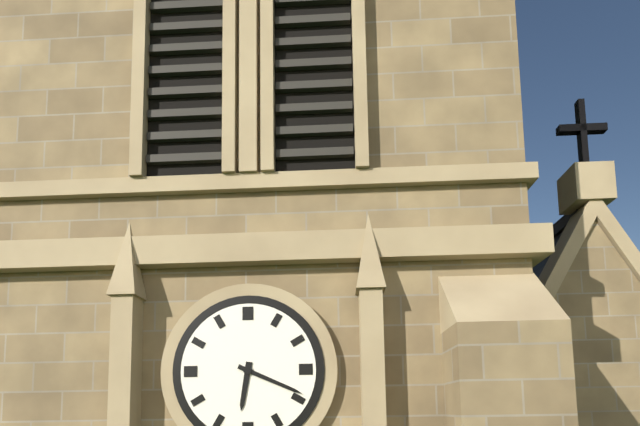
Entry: 6h19
